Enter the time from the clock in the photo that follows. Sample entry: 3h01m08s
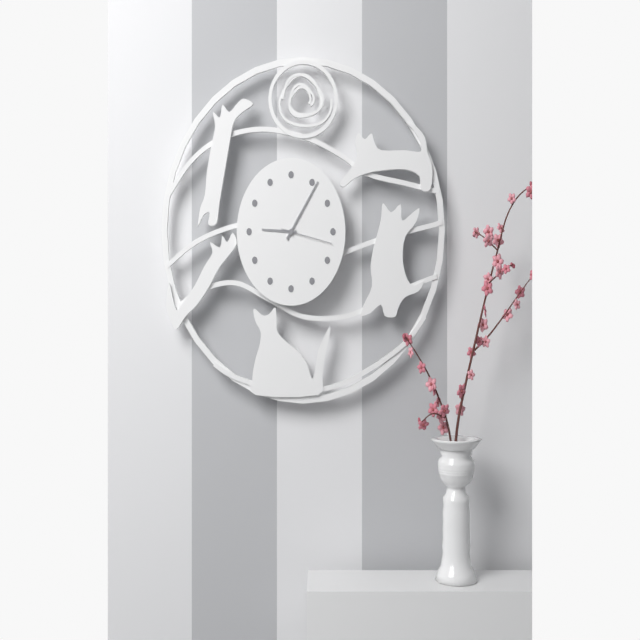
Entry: 9h06m17s
